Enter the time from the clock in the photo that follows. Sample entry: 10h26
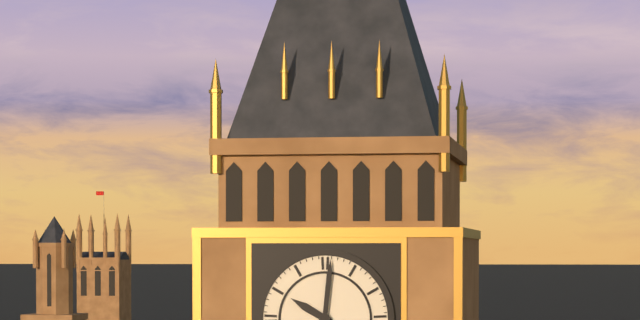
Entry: 10h01
